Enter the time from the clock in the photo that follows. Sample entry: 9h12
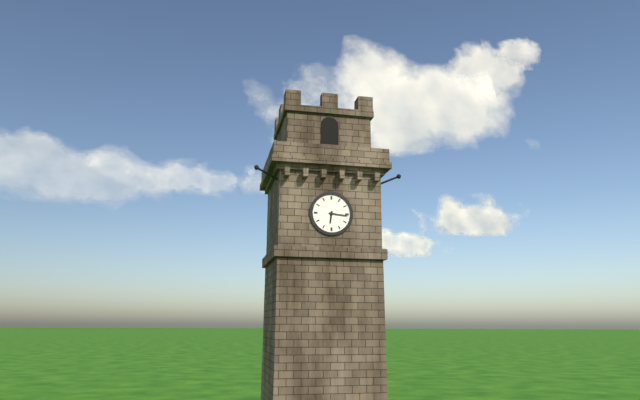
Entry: 6h16
